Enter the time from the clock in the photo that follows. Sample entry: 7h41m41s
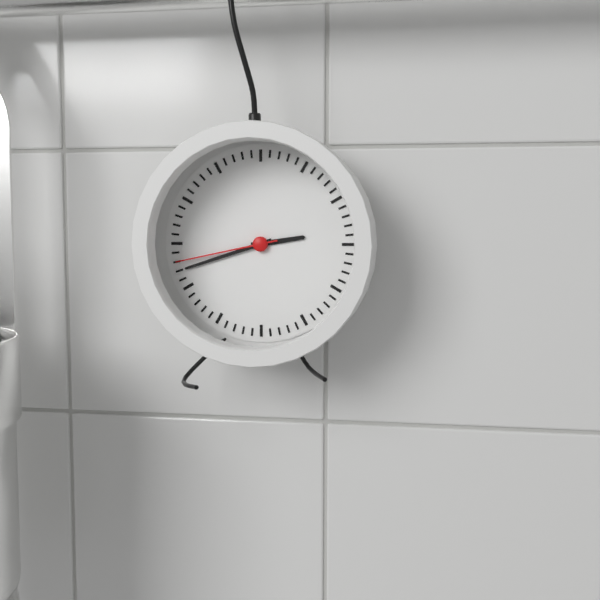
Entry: 2h42m43s
